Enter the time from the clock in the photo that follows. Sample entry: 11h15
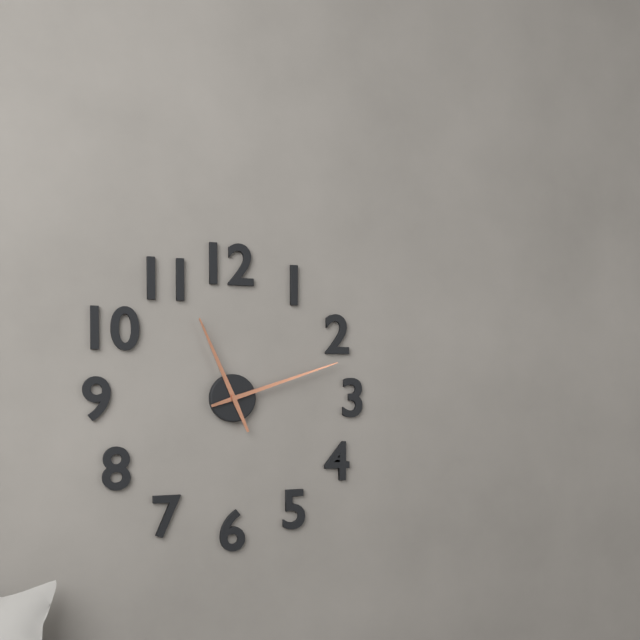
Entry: 11h12
